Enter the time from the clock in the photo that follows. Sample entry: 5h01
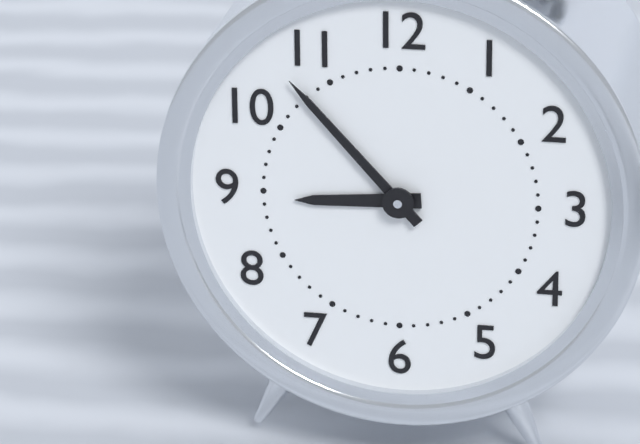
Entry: 8h53
